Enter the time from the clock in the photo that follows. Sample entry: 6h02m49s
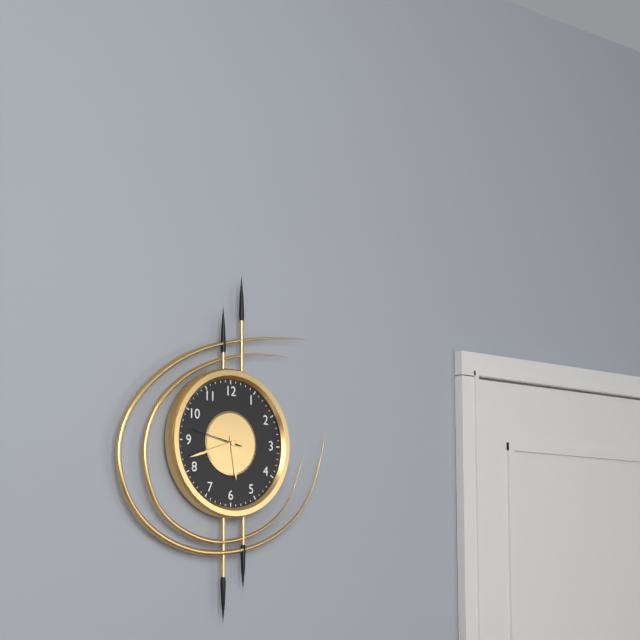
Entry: 5h42m47s
